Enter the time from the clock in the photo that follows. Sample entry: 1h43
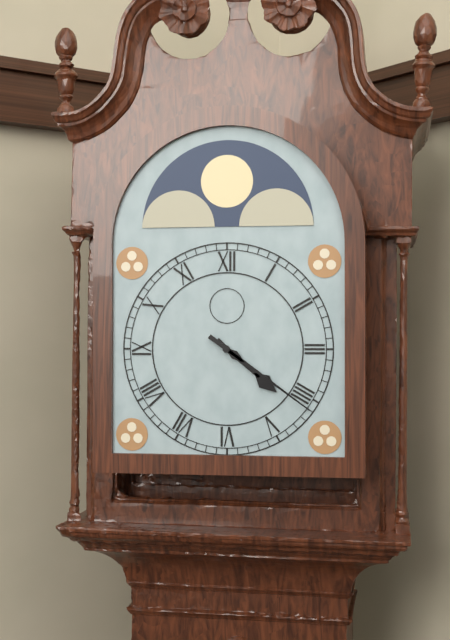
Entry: 4h21
